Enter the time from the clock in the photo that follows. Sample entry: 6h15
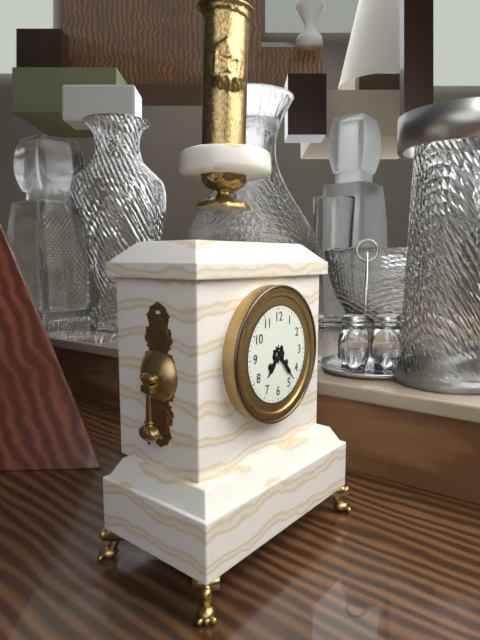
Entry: 7h23
